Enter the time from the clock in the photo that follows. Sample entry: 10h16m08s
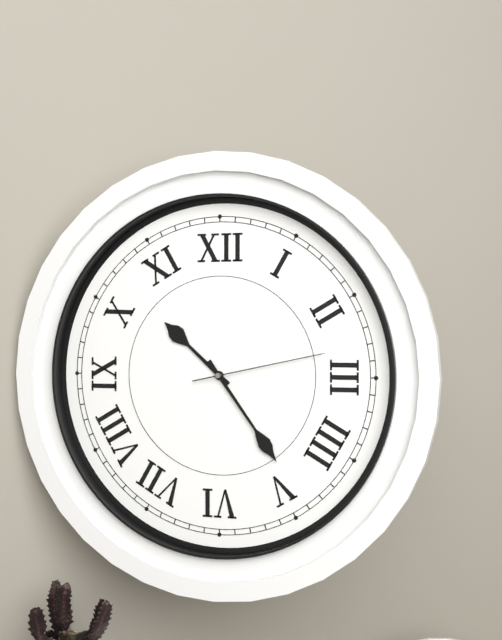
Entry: 10h24m13s
